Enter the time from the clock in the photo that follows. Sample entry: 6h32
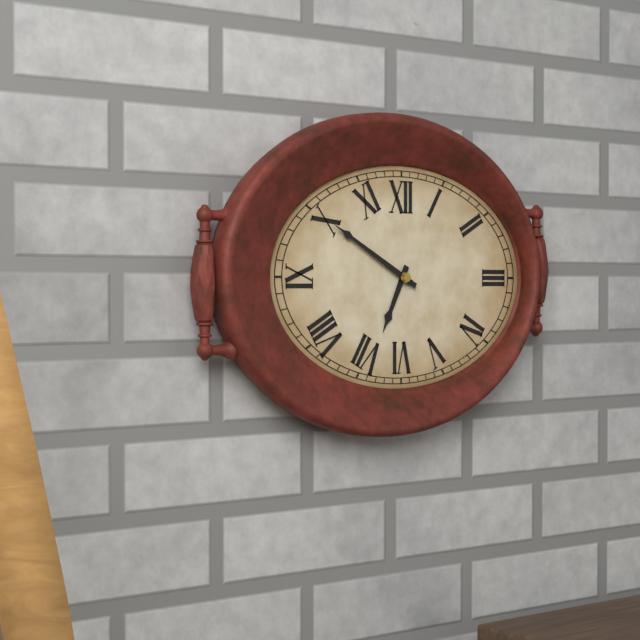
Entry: 6h50
